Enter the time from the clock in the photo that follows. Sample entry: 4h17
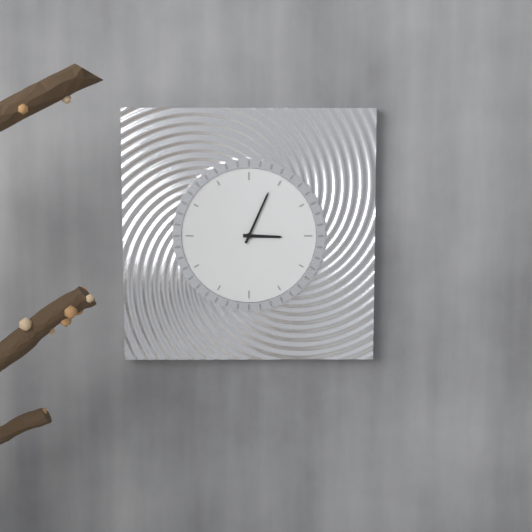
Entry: 3h04
